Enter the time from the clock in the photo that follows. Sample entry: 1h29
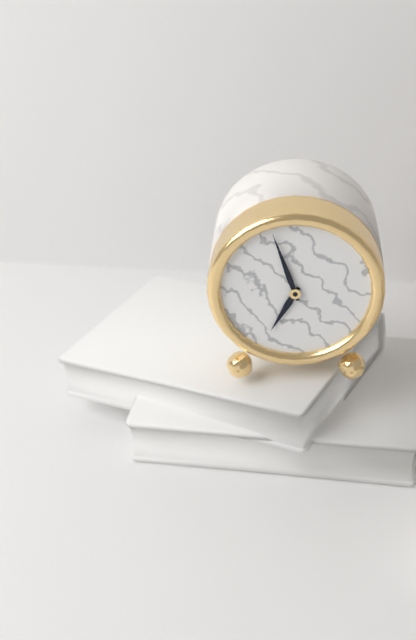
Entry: 6h57
